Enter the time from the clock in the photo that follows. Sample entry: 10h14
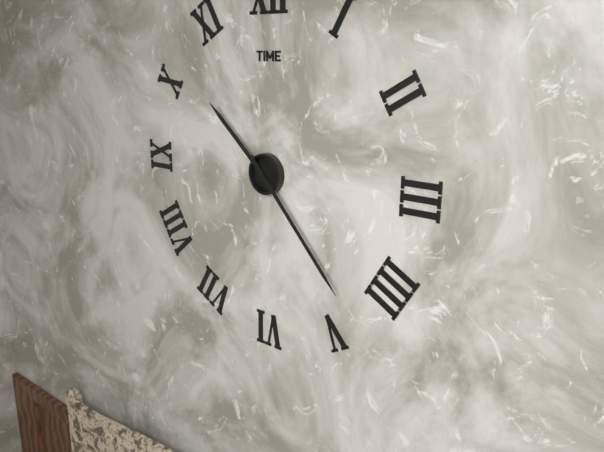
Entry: 10h23
